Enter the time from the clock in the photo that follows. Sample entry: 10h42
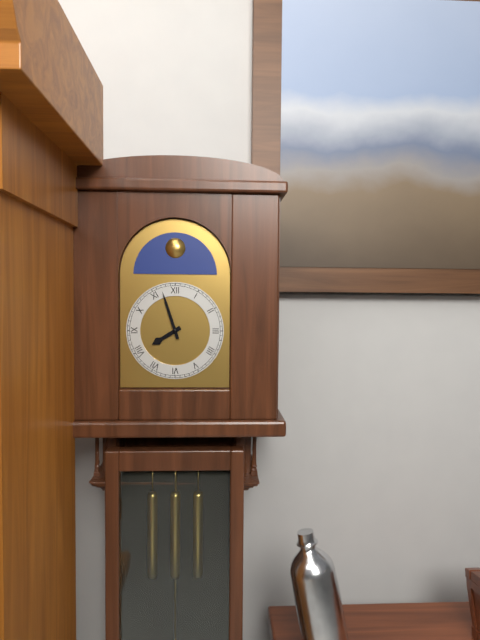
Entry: 7h57
